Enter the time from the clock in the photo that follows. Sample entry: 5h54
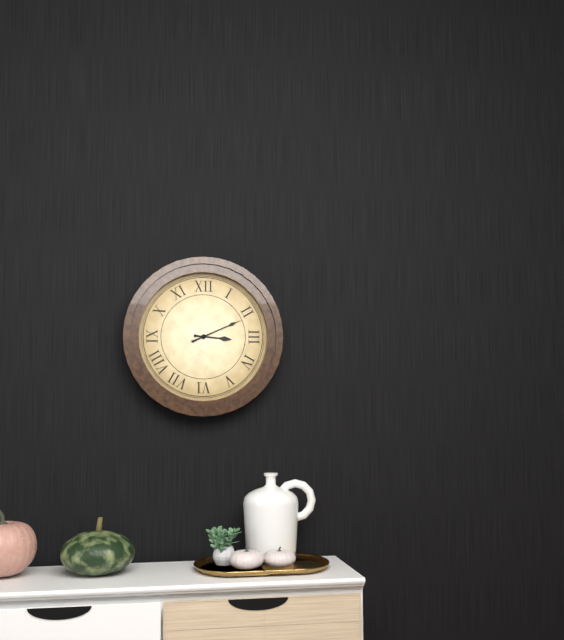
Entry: 3h11
